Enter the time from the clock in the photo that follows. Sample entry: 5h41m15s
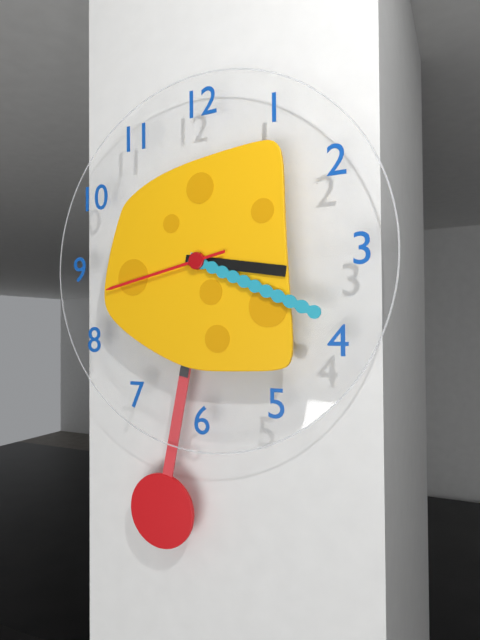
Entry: 3h19m43s
